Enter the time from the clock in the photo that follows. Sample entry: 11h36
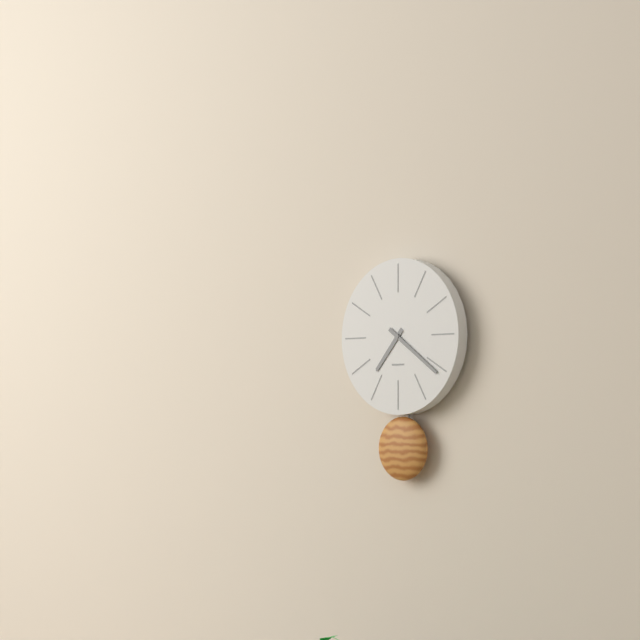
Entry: 7h21
